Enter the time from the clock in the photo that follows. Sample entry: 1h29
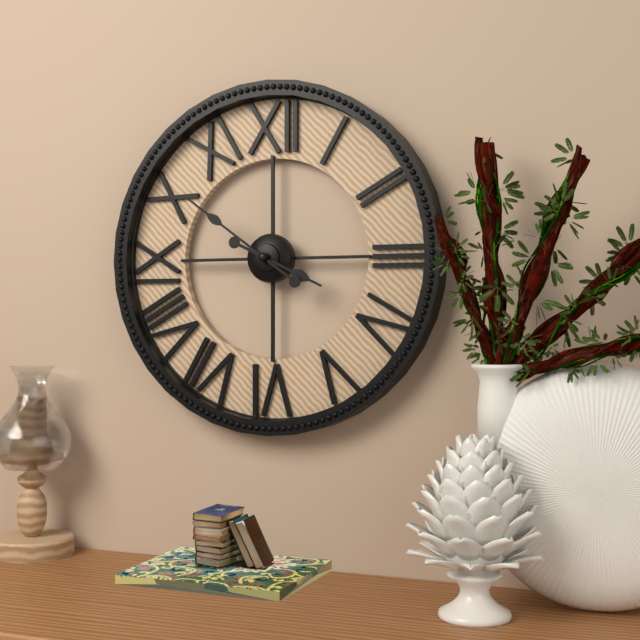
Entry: 3h51
